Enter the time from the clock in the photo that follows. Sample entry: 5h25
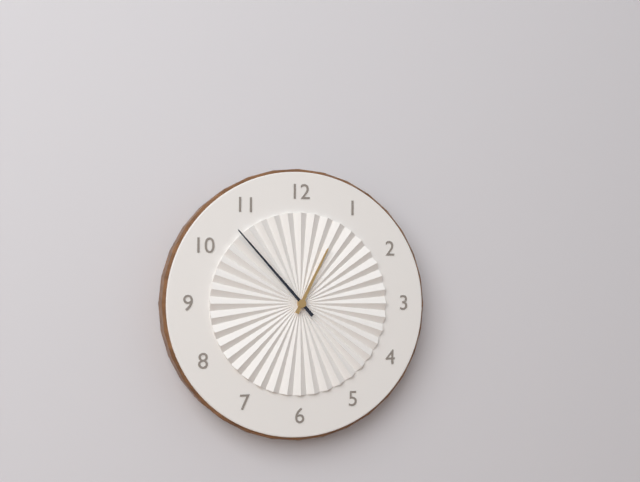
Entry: 12h53
